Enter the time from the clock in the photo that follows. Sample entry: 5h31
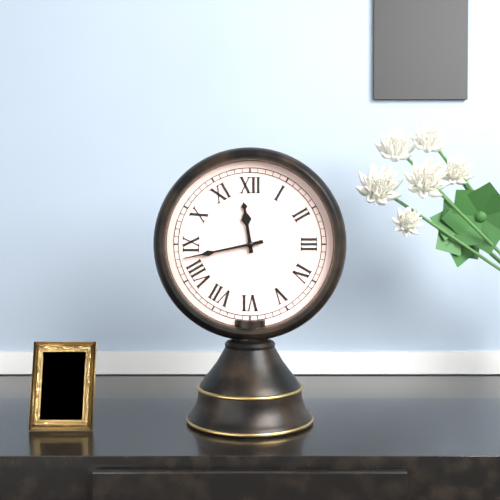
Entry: 11h43
